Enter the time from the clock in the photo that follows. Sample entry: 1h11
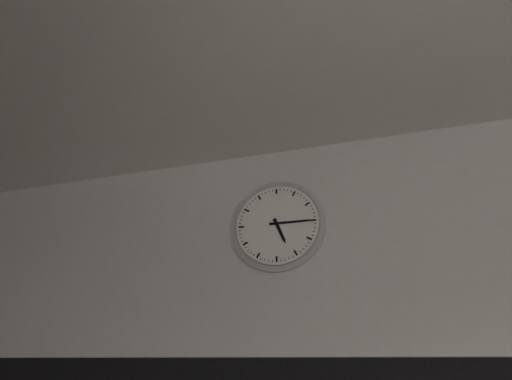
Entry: 5h15
